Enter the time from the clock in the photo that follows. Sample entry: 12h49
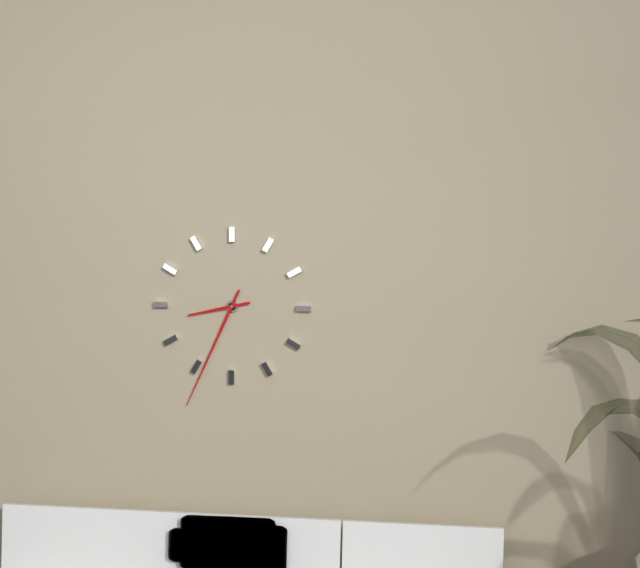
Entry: 8h34
